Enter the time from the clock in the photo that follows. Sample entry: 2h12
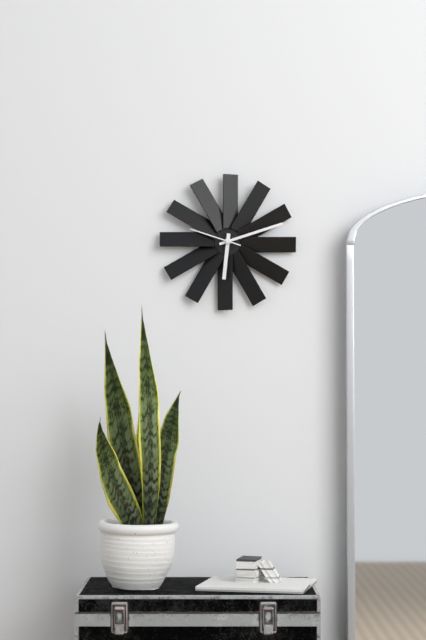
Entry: 6h12
